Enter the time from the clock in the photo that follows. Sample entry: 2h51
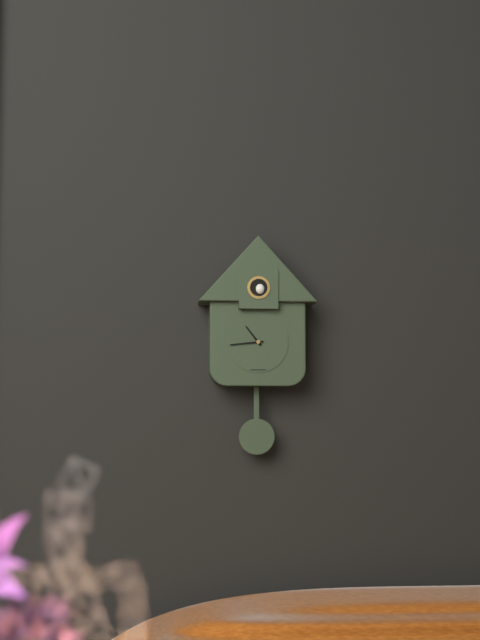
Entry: 10h44
